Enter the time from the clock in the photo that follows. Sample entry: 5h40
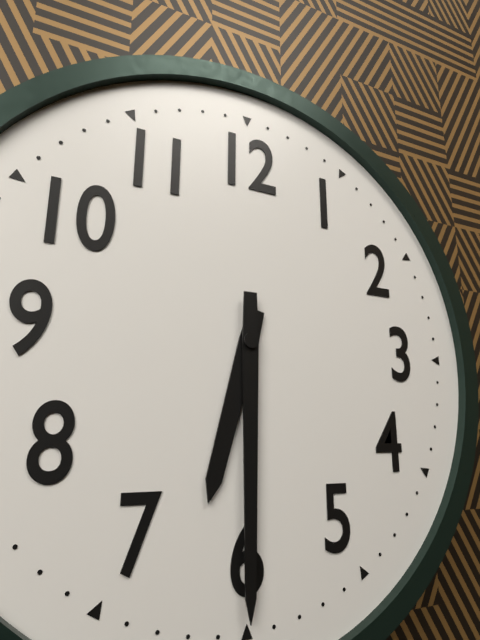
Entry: 6h30
